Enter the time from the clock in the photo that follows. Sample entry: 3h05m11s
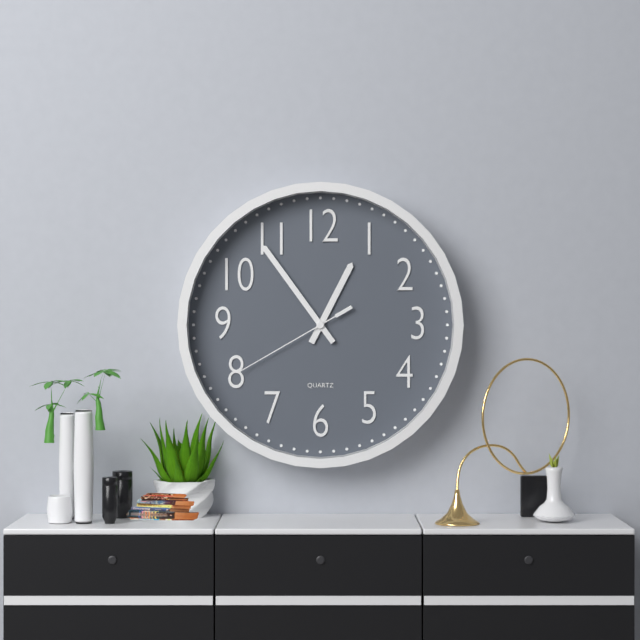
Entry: 12h54m40s
